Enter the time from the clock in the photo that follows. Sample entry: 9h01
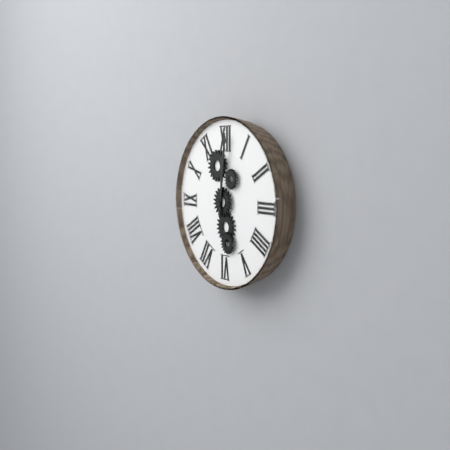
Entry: 12h01
